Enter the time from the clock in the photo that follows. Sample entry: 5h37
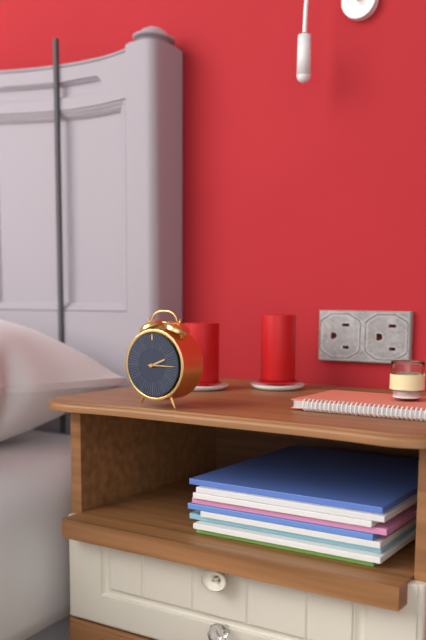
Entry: 2h15
